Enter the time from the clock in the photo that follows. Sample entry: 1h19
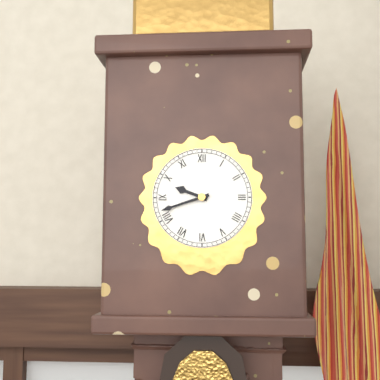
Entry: 9h42
